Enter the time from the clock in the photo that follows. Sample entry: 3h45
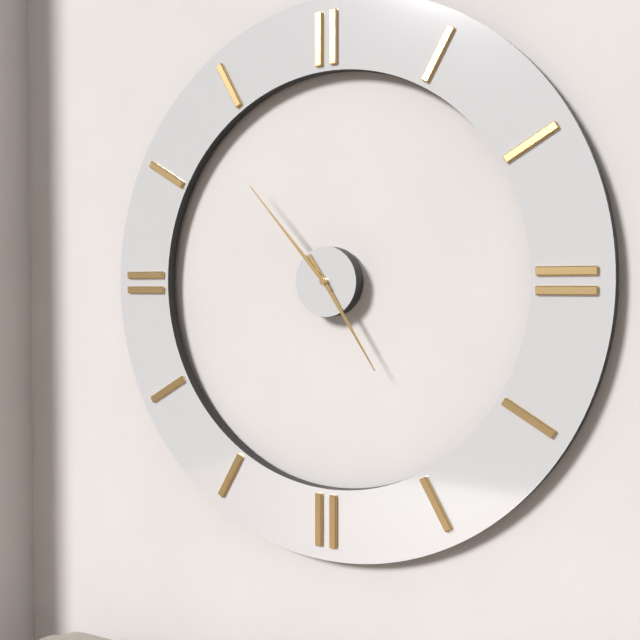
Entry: 4h53
